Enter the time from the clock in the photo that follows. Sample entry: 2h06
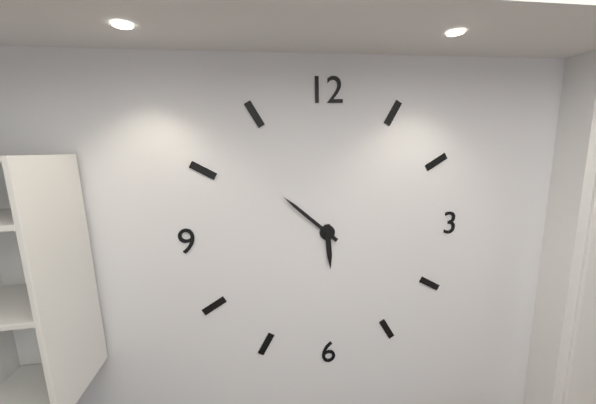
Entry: 5h52
